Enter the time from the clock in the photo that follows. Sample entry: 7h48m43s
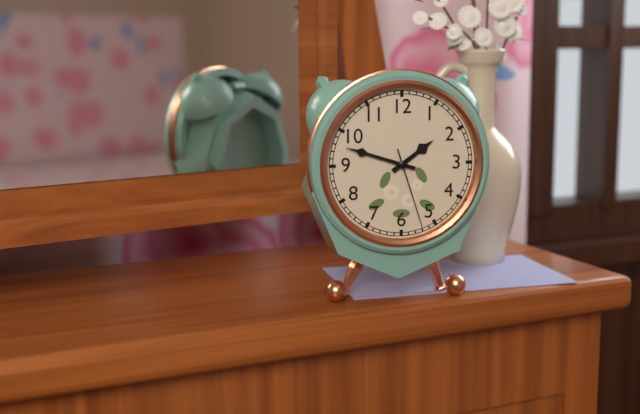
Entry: 1h48m27s
